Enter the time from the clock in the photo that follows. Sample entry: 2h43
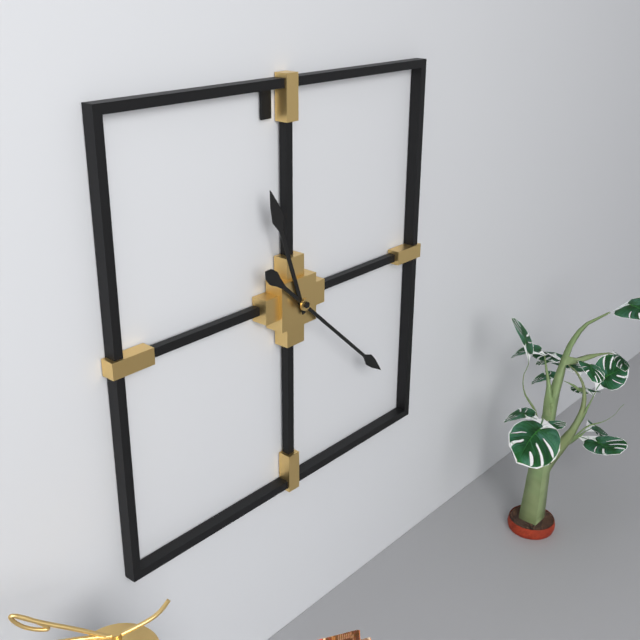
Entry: 11h22
